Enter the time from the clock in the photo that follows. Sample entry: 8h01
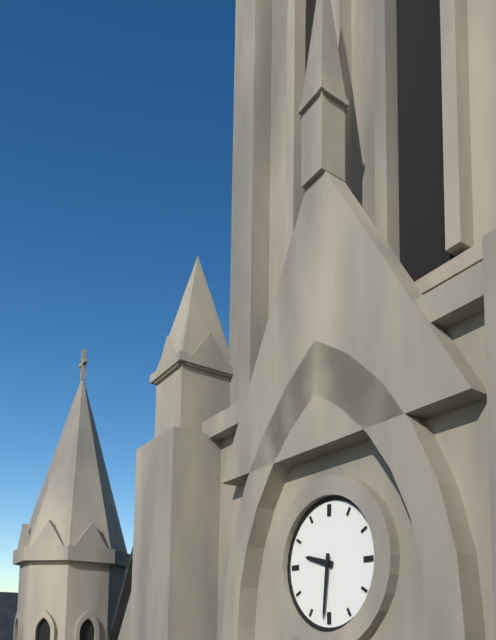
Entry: 9h31
